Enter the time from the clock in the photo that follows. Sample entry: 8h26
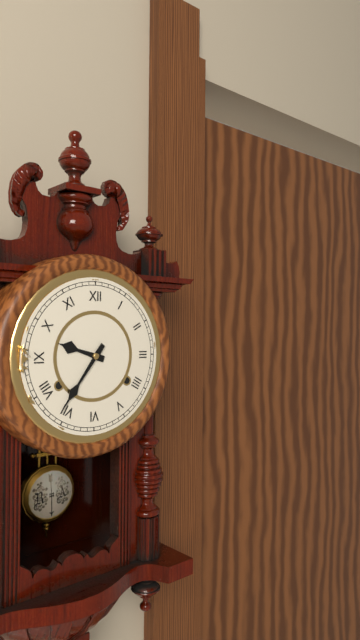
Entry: 9h36
